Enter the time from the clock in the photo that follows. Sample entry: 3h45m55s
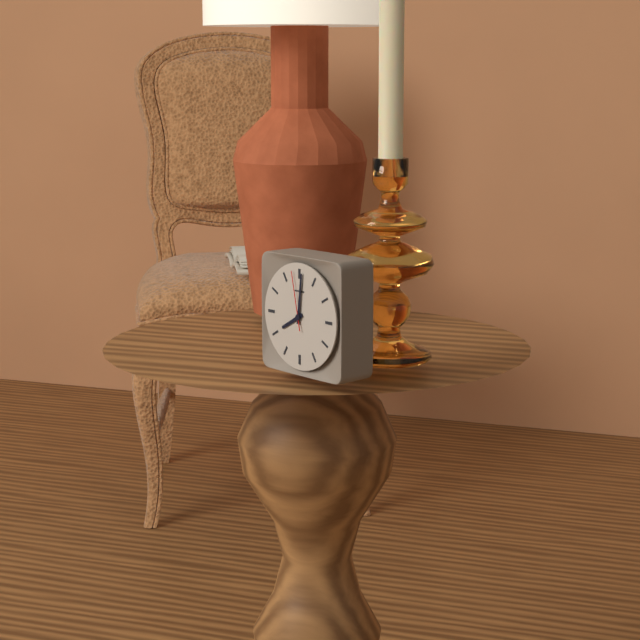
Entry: 8h01m58s
